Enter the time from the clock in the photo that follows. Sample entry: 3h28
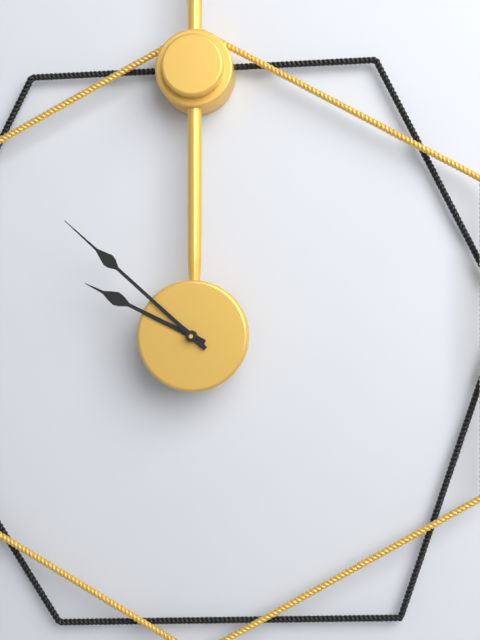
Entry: 9h52
